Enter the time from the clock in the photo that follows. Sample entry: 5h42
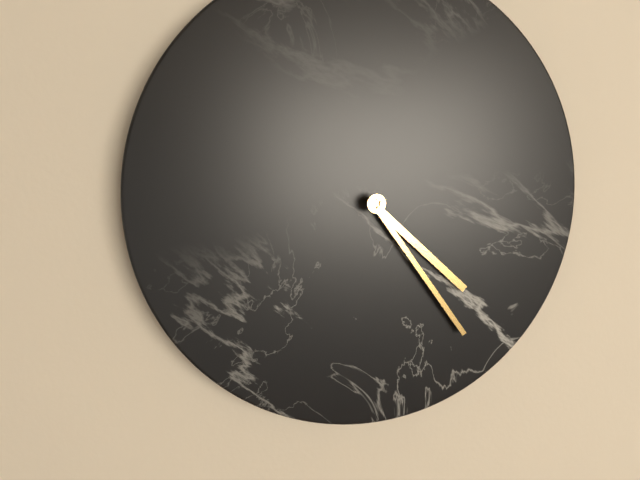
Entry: 4h24
